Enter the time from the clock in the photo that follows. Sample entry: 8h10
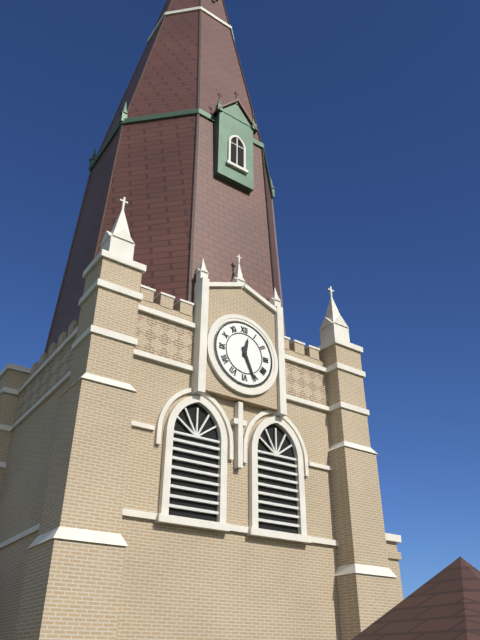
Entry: 12h26
